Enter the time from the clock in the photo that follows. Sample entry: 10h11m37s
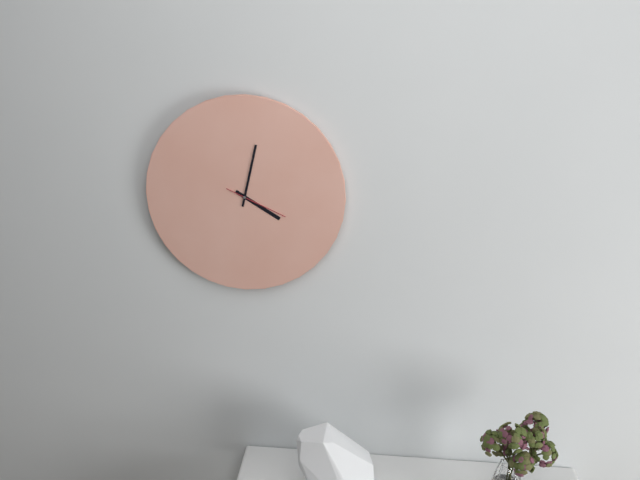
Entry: 4h02m19s
